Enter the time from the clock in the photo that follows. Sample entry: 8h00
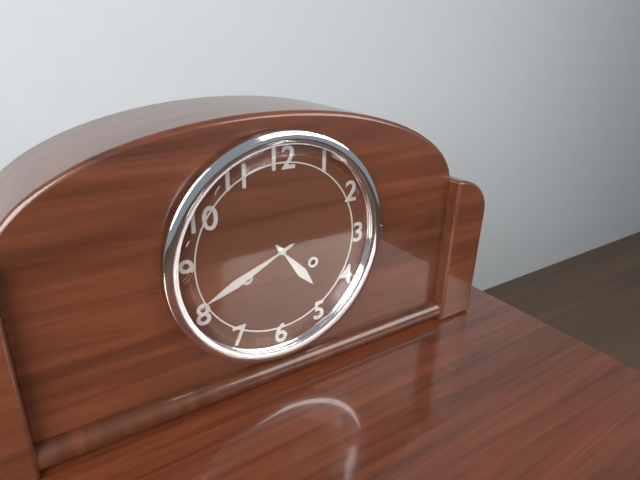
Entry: 4h41
